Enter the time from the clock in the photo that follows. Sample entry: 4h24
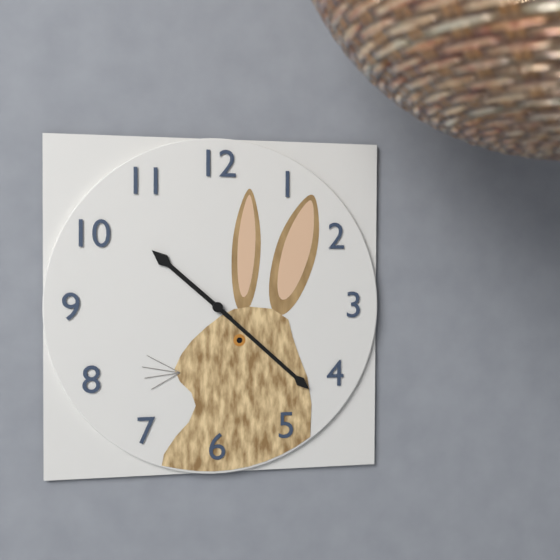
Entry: 10h22
